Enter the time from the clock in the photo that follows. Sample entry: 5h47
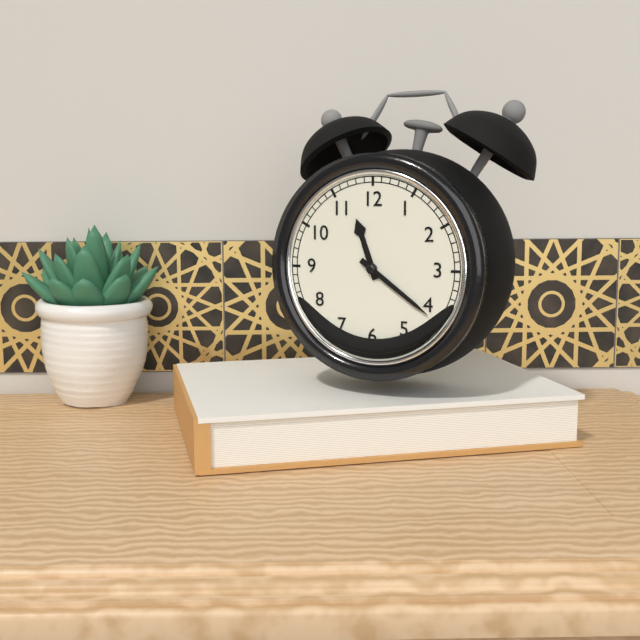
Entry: 11h21
